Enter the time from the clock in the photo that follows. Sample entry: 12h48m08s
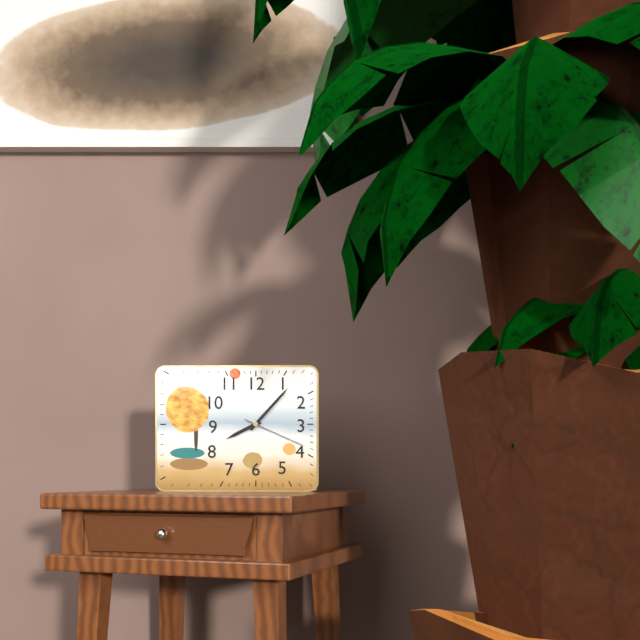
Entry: 8h07m19s
